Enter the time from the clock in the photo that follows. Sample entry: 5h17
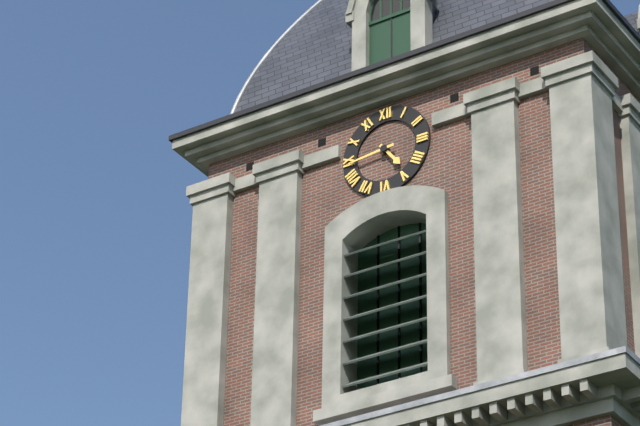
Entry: 4h44
